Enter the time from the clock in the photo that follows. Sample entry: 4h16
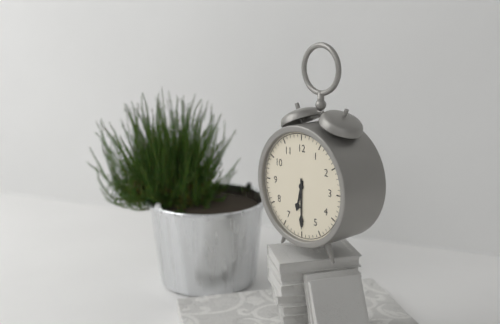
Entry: 6h30
